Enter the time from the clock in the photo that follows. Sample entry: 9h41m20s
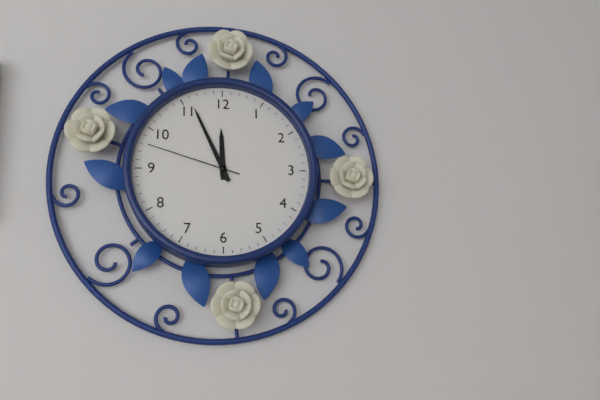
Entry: 11h56m48s
